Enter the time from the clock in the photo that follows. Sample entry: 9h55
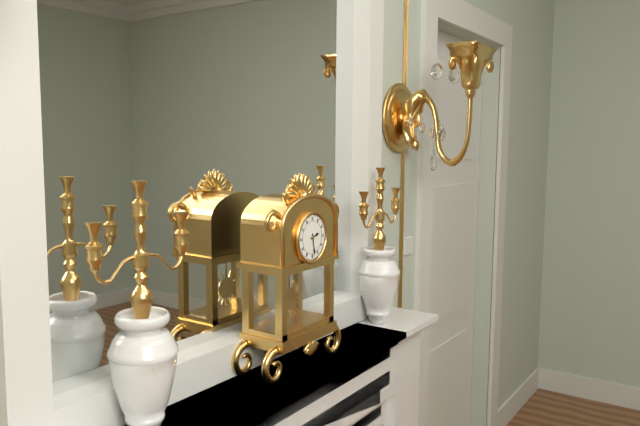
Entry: 2h28
